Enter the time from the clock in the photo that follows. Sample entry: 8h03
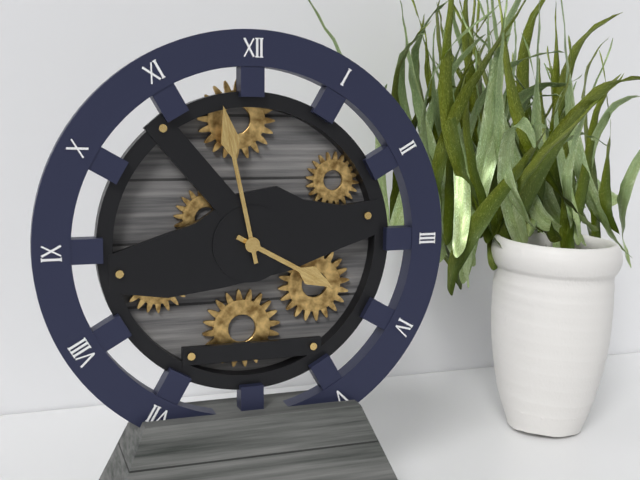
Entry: 3h58
